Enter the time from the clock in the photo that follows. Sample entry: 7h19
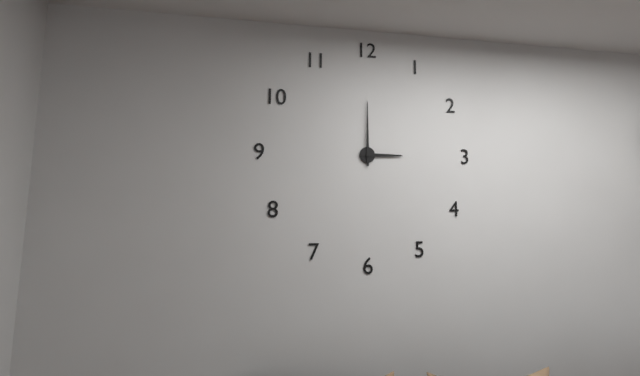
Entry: 3h00
